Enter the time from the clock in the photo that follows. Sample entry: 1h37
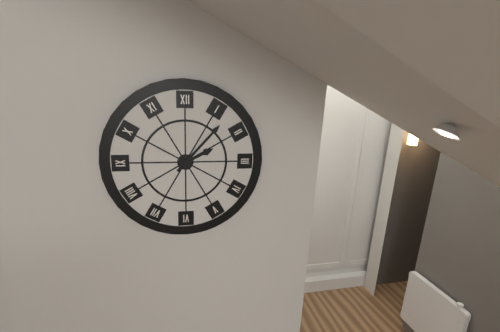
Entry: 2h07
